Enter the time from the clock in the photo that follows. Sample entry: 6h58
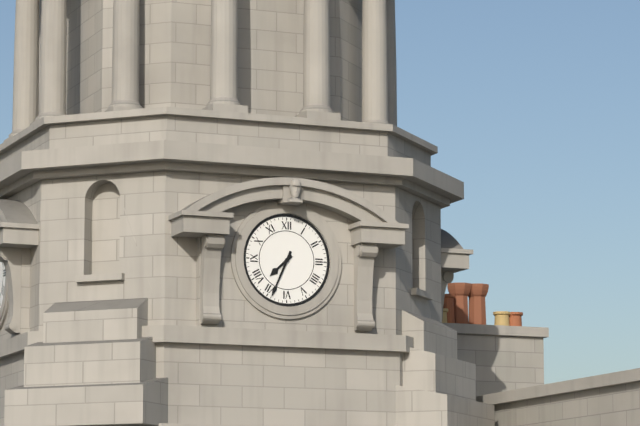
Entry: 7h34
